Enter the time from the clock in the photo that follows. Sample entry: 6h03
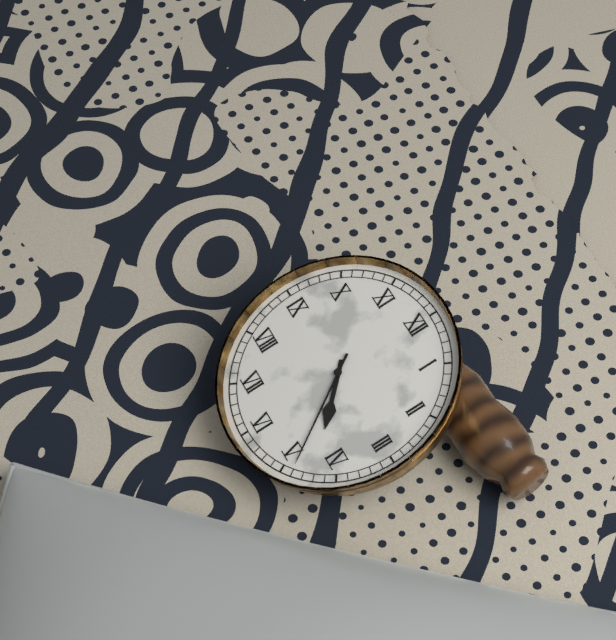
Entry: 4h24
